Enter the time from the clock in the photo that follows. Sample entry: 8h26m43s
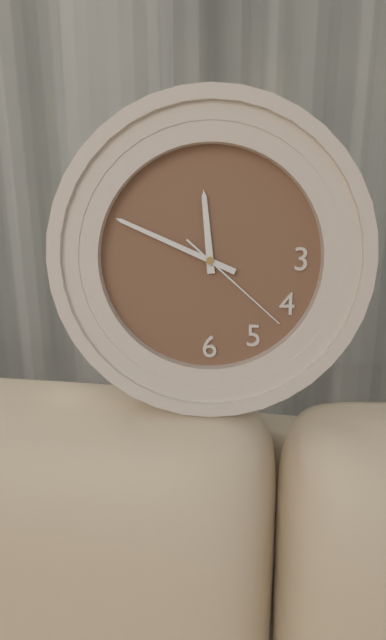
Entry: 11h49m22s
